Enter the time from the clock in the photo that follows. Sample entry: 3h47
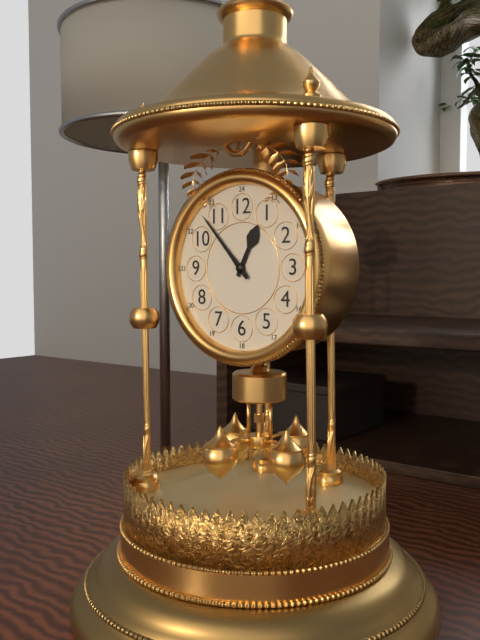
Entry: 12h53
